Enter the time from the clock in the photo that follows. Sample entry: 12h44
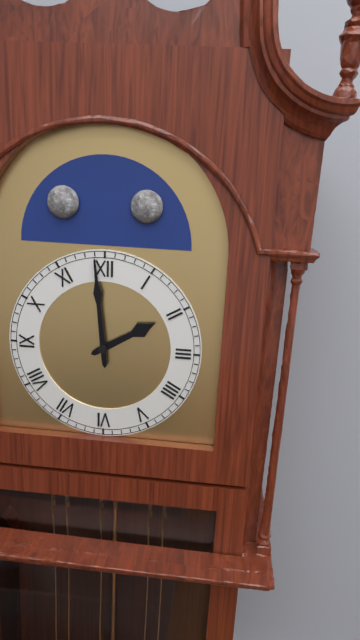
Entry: 1h59
